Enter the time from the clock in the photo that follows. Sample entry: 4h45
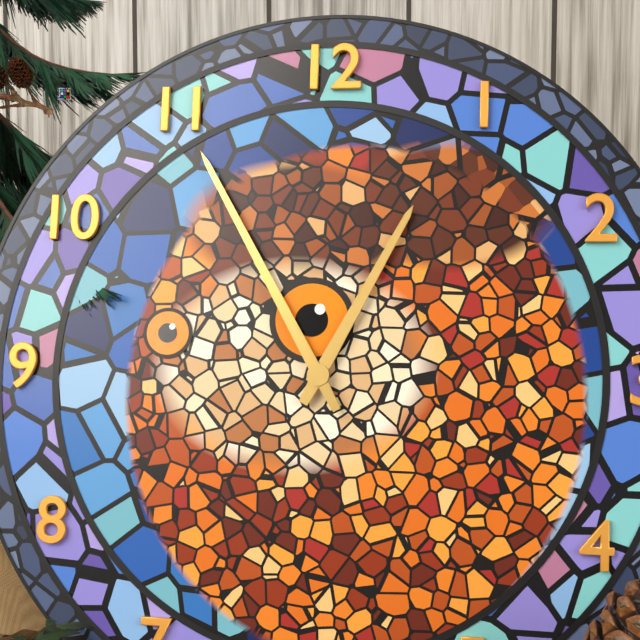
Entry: 12h55
